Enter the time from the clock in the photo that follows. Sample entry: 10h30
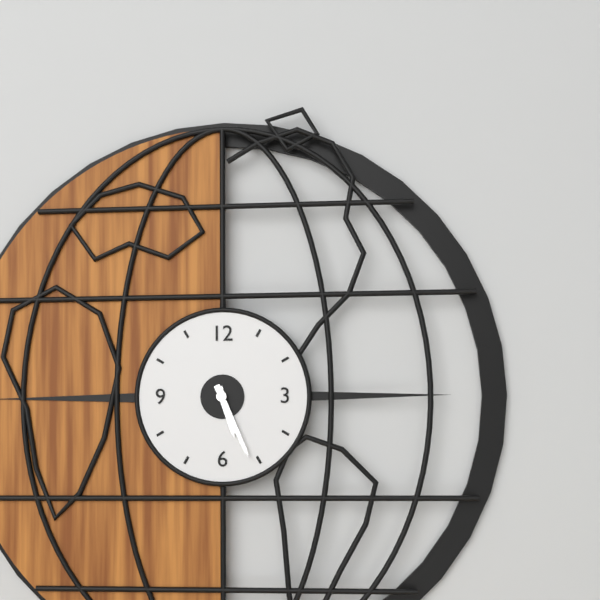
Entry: 5h26
